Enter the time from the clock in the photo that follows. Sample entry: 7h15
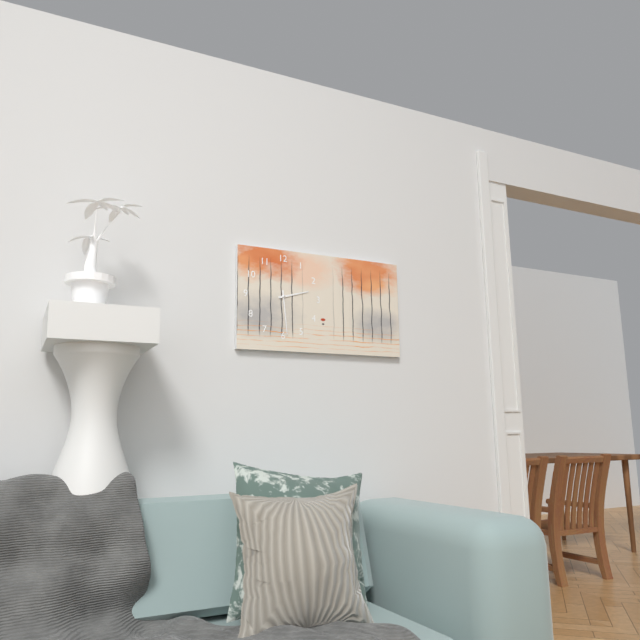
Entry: 2h29
